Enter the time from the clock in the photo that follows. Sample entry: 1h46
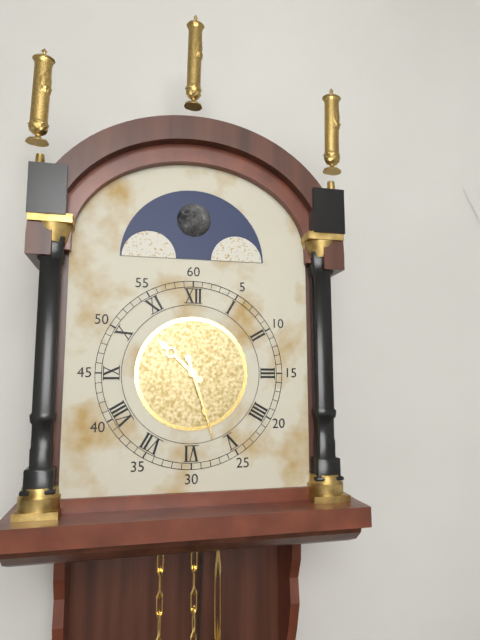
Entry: 10h27
